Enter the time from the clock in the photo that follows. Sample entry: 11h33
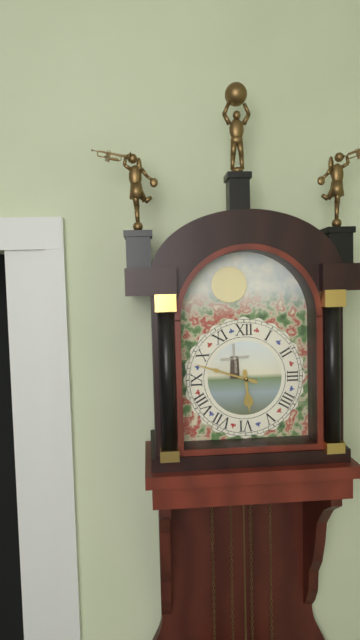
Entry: 5h48
